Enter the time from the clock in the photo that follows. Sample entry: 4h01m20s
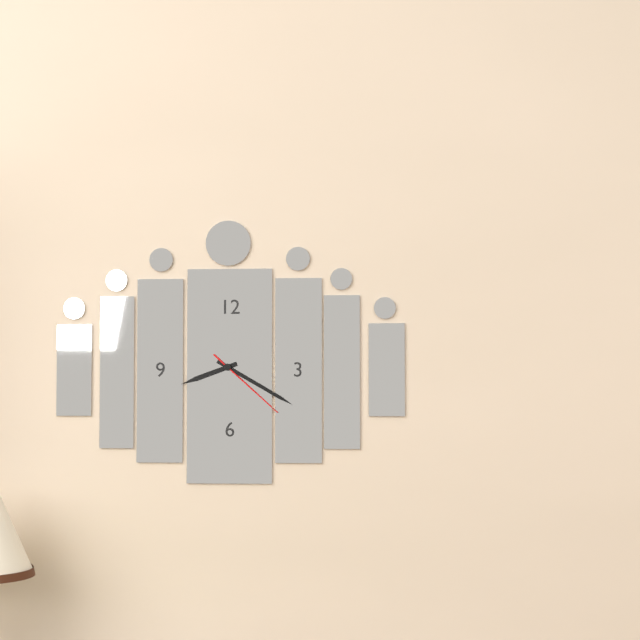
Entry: 8h20m22s
